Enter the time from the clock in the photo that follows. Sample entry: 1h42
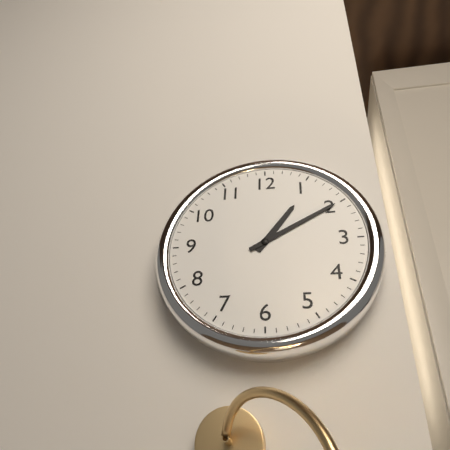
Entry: 1h10
